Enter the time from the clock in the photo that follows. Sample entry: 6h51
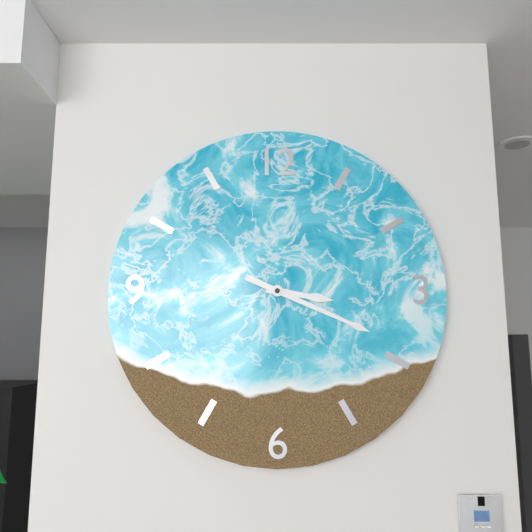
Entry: 3h19
